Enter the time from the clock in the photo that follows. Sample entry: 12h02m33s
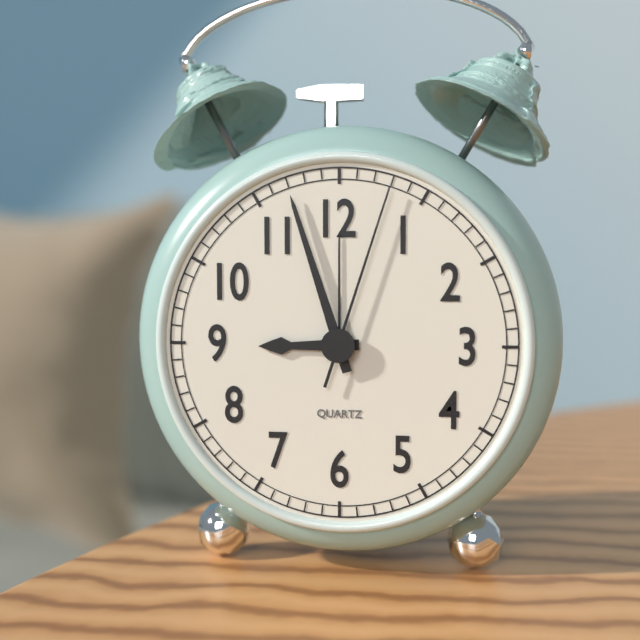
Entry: 8h57m03s
